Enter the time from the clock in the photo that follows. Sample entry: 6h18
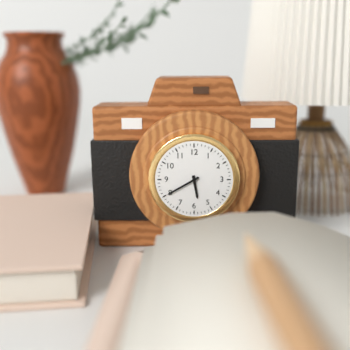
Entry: 5h40
